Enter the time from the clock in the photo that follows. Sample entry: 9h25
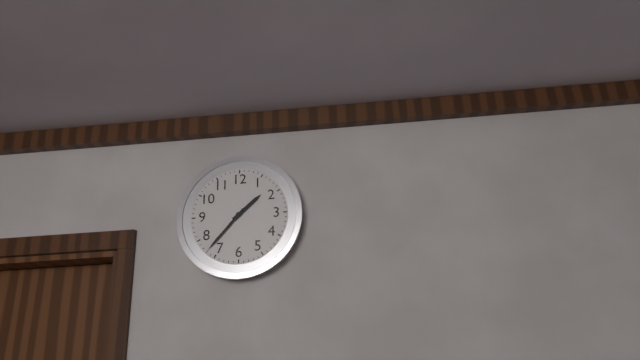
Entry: 1h37
